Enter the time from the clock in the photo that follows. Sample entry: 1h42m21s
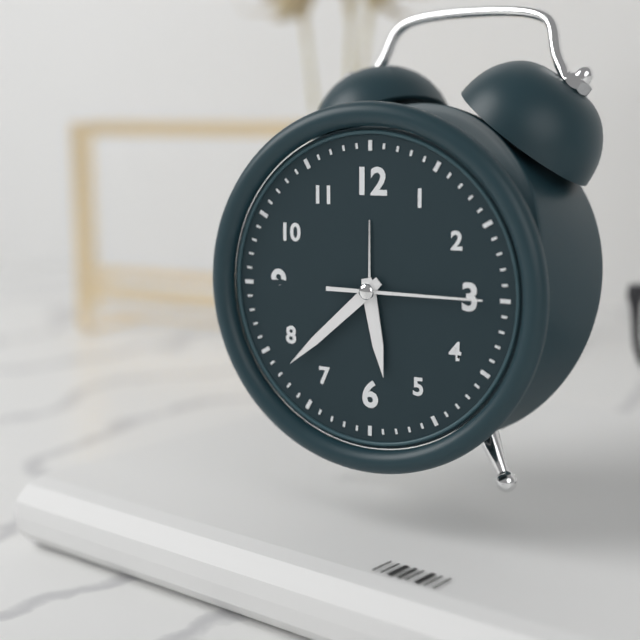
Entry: 5h38m15s
